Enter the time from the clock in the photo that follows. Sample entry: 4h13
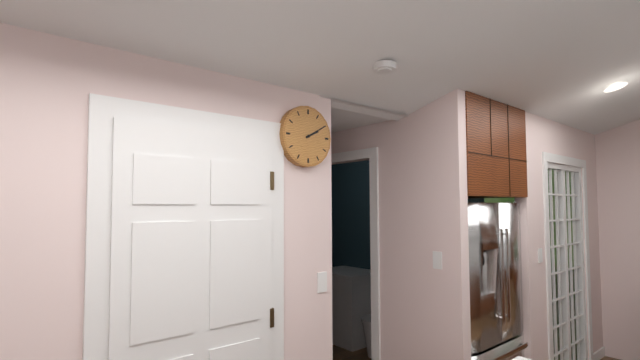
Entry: 2h10
